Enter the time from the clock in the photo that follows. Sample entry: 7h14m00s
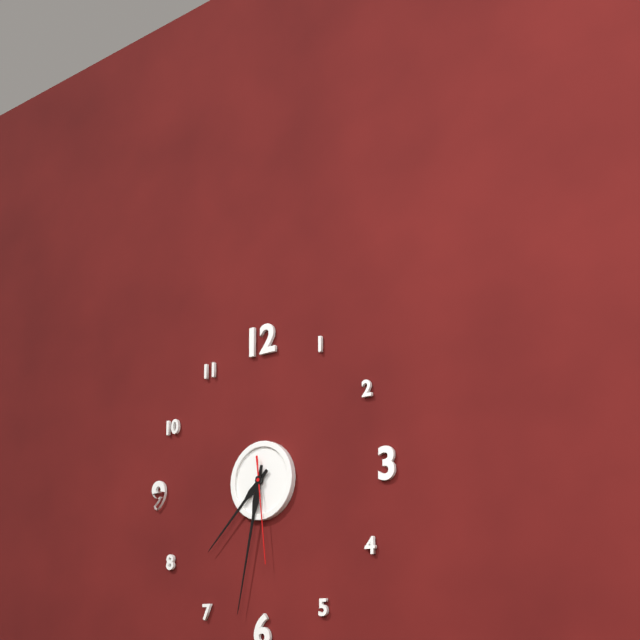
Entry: 7h32m29s
